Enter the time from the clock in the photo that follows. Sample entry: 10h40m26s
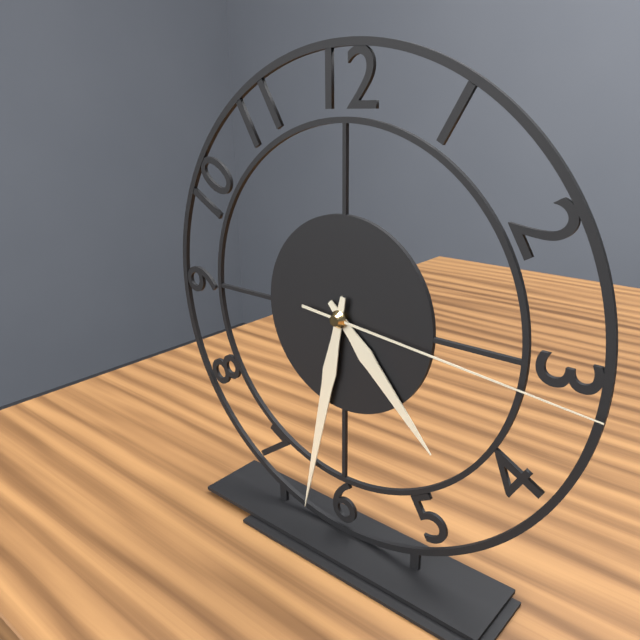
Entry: 4h32m16s
